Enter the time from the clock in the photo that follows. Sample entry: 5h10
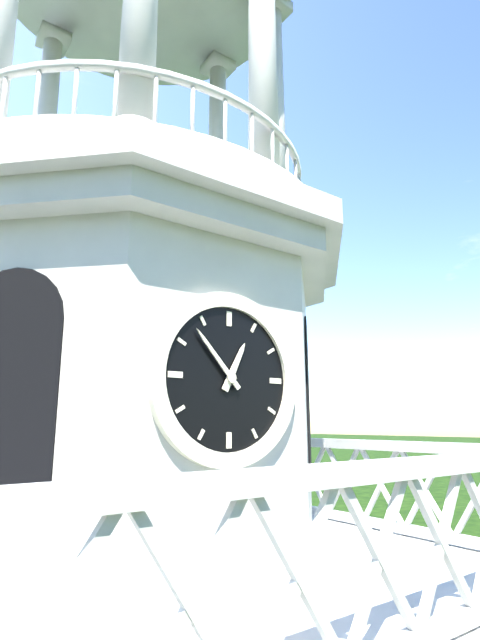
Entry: 12h53
